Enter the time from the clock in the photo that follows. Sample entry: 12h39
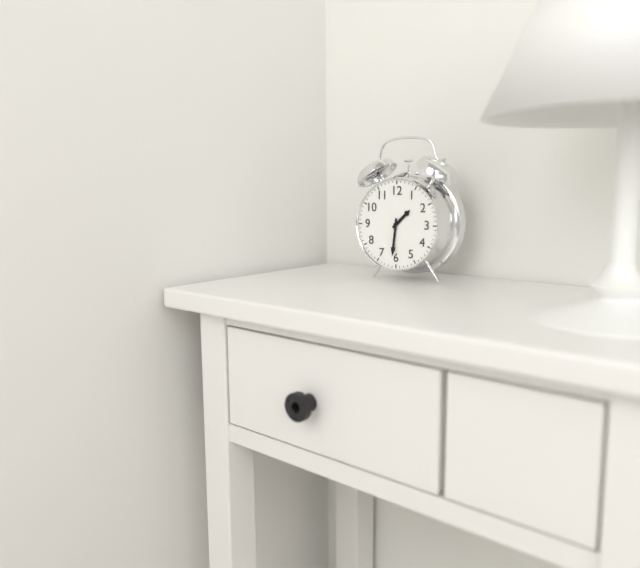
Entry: 1h31
